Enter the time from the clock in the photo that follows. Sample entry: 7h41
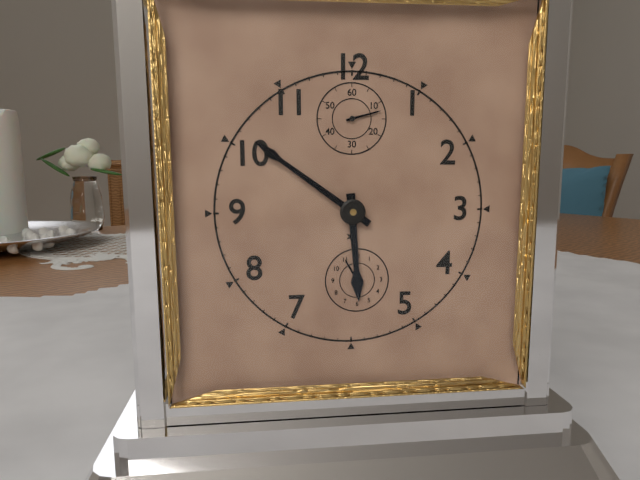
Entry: 5h51
